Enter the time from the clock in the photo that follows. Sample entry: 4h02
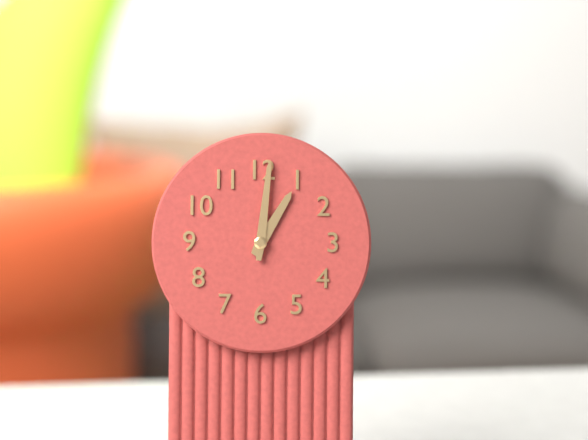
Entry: 1h01
